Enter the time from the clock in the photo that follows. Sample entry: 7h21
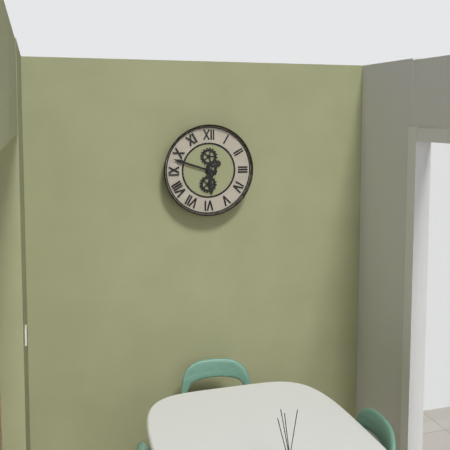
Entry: 5h48
